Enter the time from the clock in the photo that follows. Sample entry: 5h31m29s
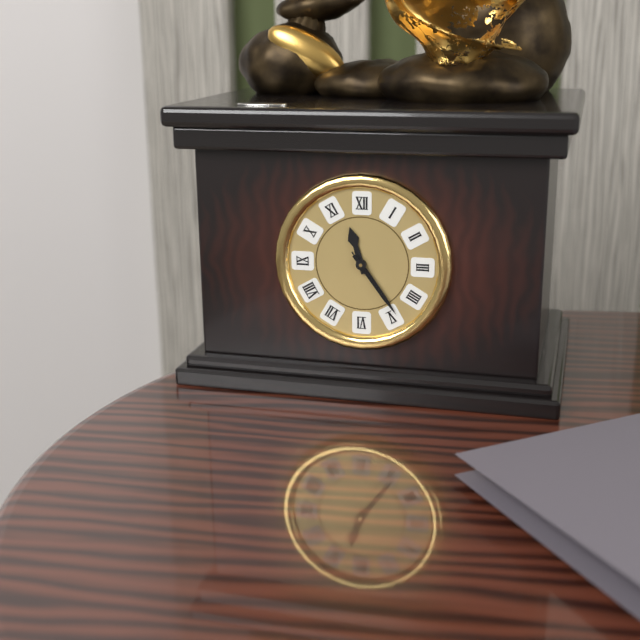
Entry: 11h24m24s
